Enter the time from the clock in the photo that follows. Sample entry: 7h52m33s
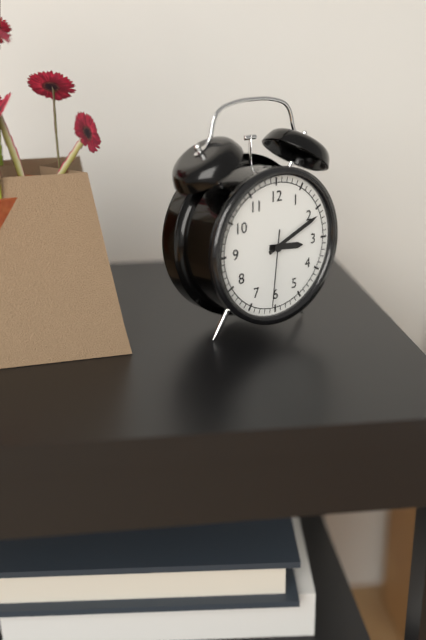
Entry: 3h11m31s
